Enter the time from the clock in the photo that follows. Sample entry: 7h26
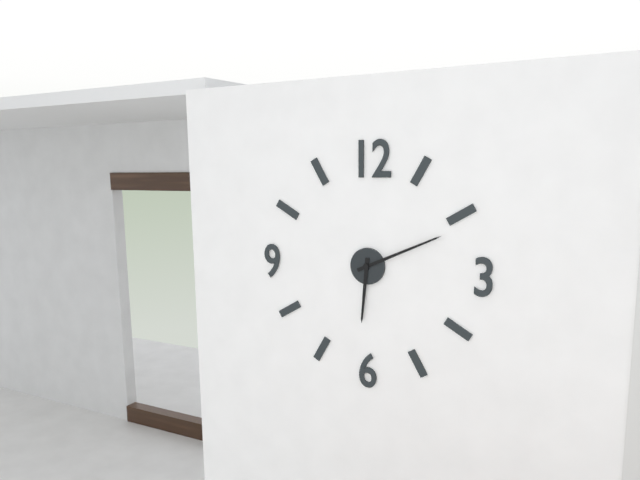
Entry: 6h11
